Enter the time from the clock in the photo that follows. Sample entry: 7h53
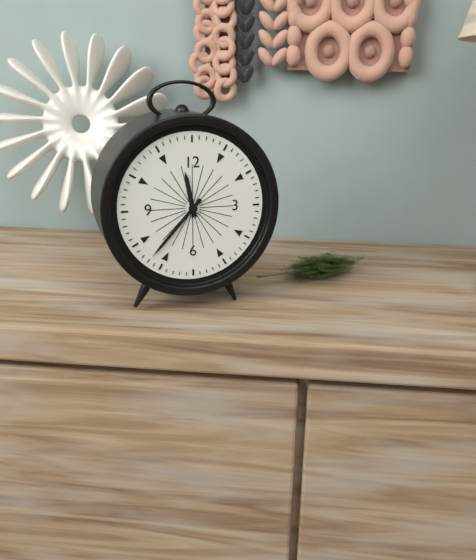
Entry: 11h37
